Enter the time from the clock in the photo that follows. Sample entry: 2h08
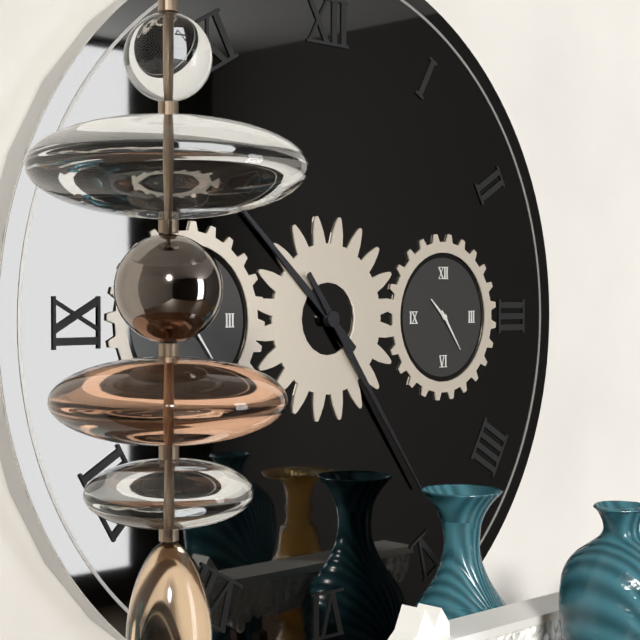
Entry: 10h24
